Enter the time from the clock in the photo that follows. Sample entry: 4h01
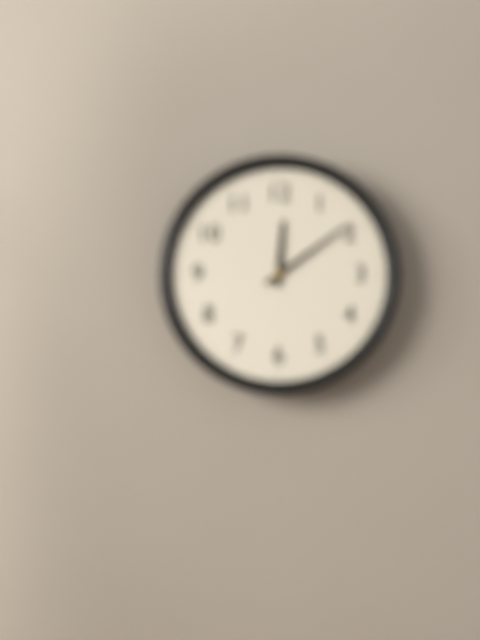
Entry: 12h09
